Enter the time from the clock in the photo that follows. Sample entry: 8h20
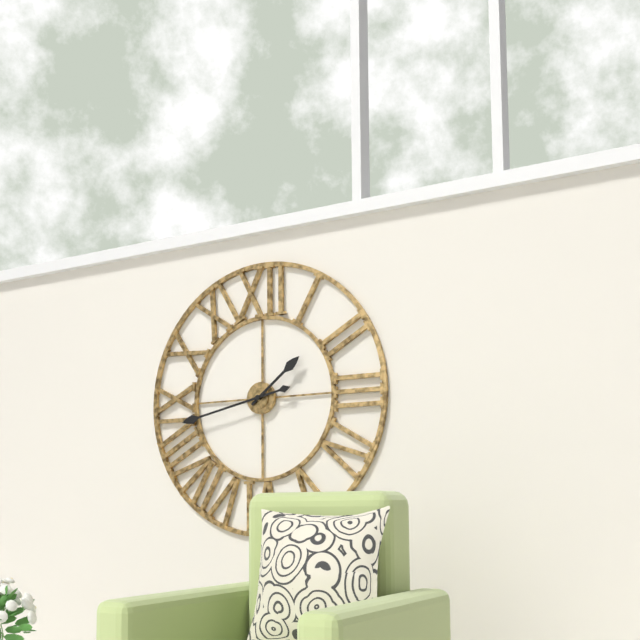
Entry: 1h43
